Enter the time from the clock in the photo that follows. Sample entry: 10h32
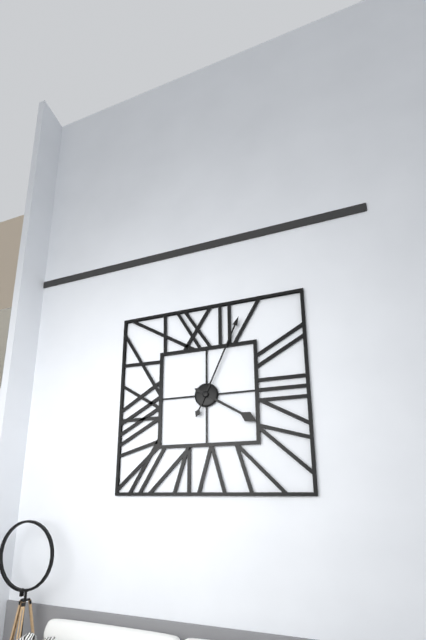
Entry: 4h04
